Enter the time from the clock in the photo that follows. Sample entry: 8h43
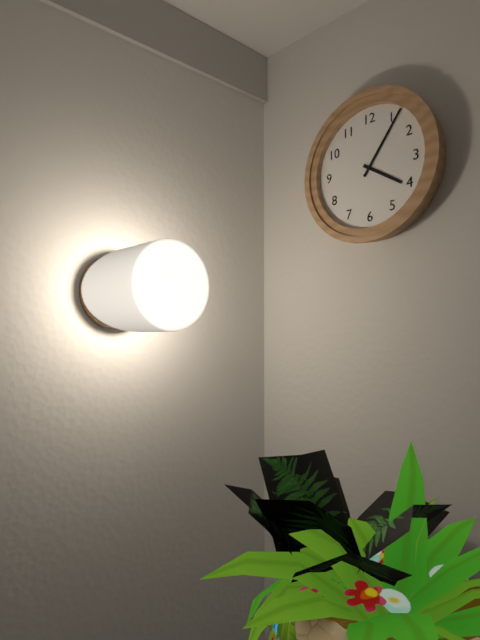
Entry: 4h06
